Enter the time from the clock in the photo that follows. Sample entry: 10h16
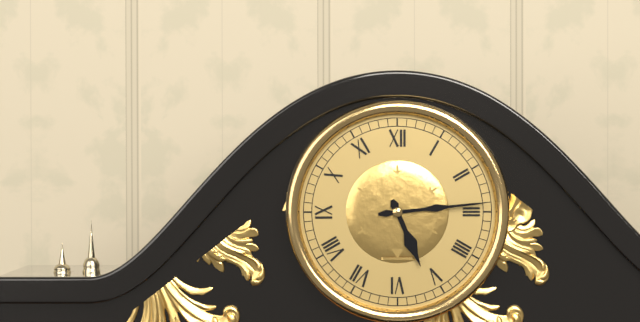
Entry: 5h14
